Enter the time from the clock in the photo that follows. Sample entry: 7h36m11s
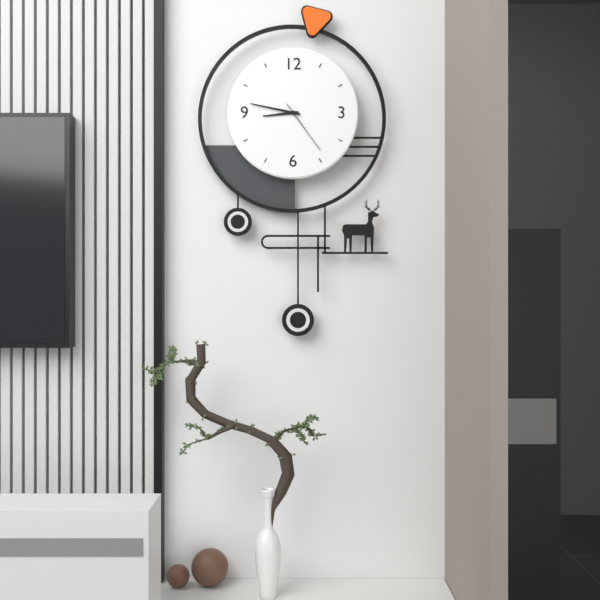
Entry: 8h47m24s
